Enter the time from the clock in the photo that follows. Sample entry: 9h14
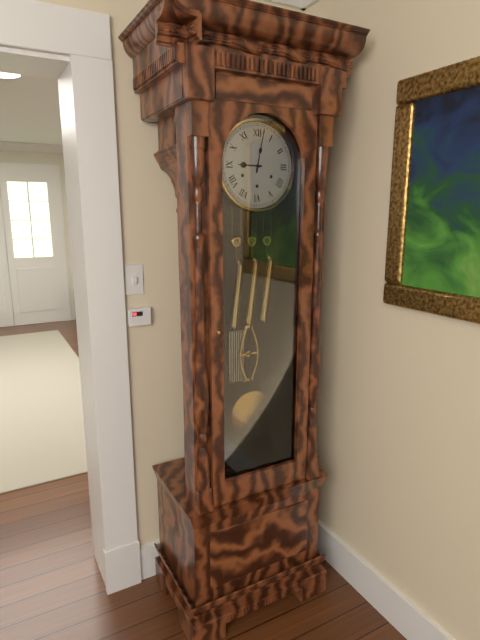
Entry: 9h02
